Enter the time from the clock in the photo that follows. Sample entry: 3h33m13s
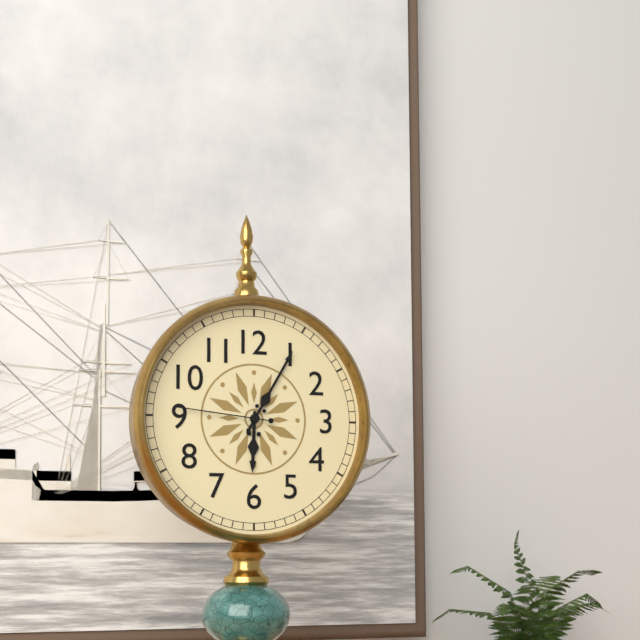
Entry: 6h05m46s
